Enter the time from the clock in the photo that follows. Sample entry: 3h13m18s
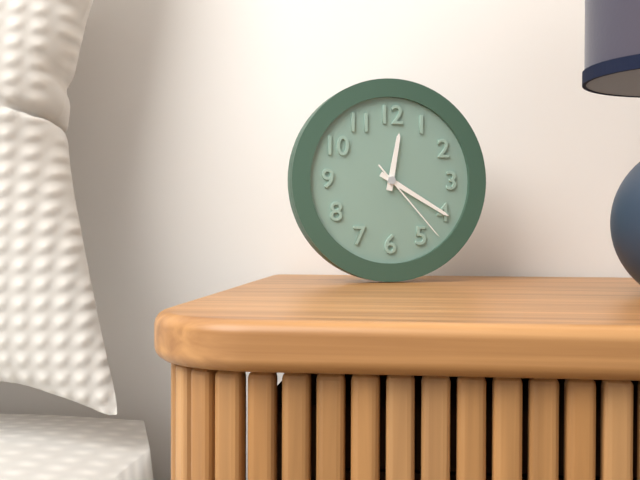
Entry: 12h20m23s
